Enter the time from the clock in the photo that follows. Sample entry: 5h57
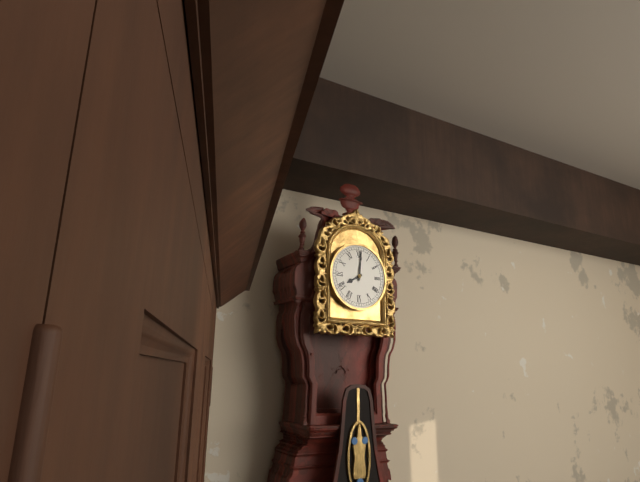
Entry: 8h01
